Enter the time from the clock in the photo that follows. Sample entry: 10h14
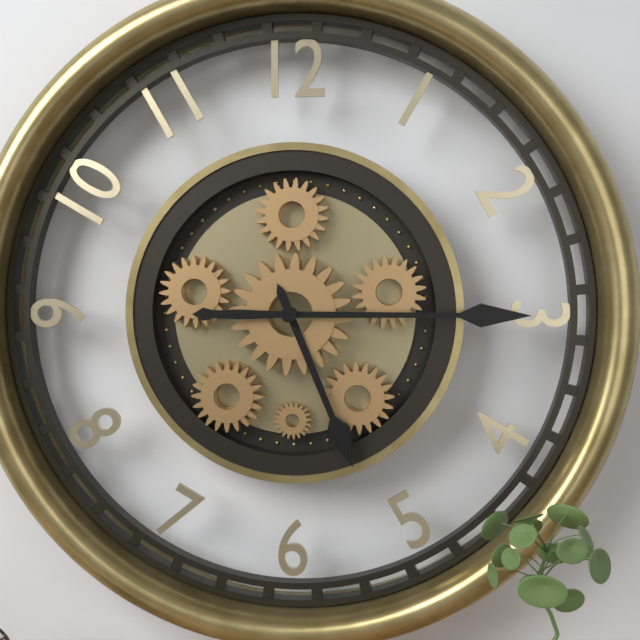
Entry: 5h15
